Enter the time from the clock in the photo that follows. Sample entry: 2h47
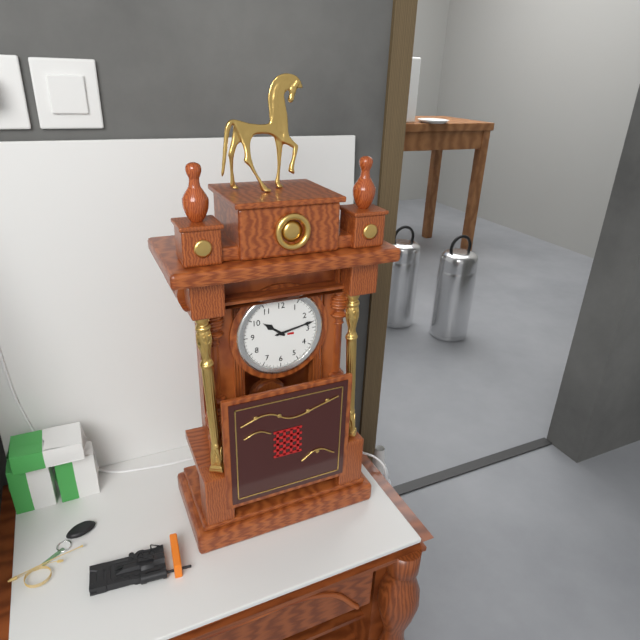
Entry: 10h13
